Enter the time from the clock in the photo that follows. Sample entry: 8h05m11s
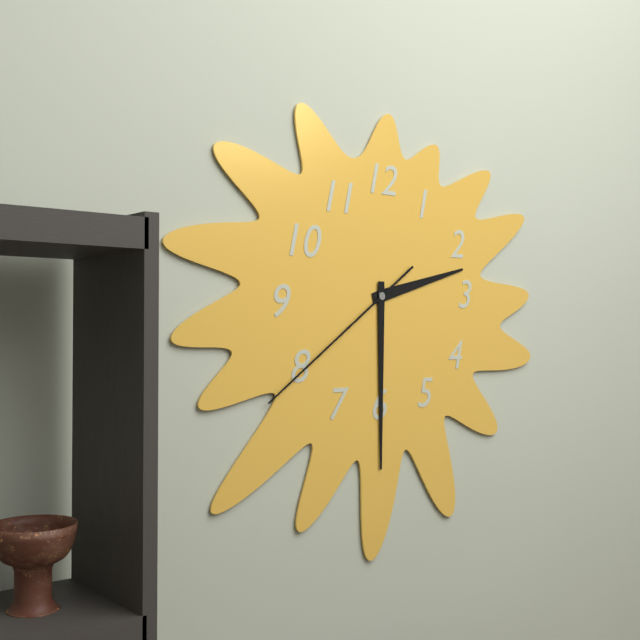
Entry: 2h30m39s
